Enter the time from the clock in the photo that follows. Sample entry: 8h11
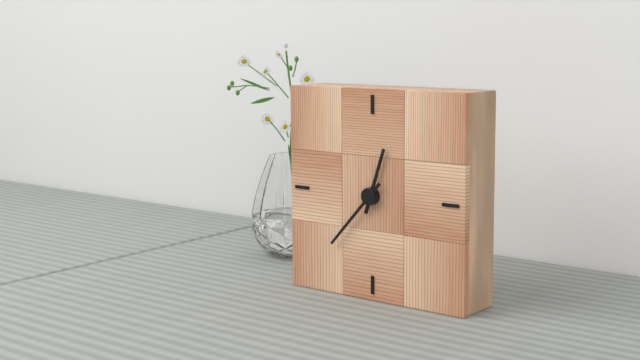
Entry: 12h37
